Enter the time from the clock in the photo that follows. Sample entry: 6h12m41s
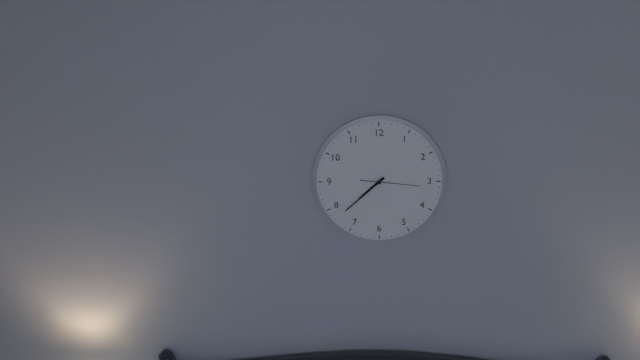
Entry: 7h38m16s
